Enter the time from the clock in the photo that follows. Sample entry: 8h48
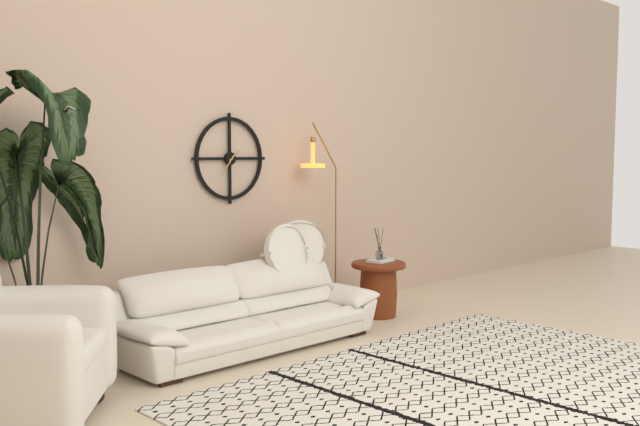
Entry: 1h36
